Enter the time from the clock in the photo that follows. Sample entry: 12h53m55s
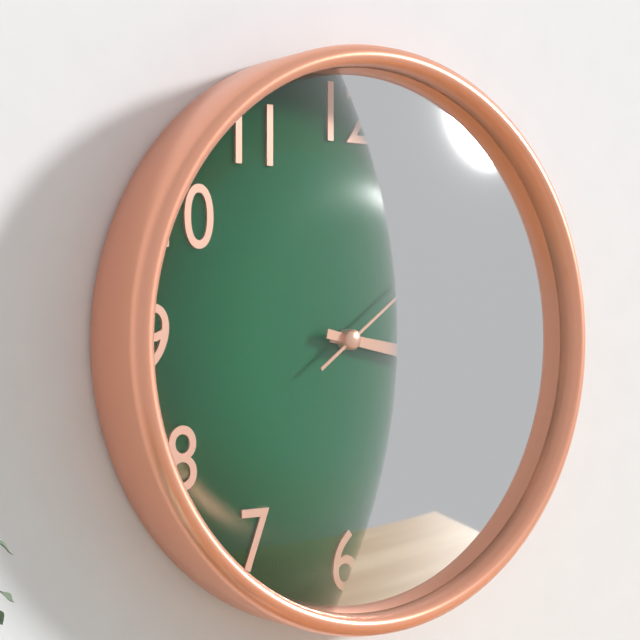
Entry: 3h17m09s
